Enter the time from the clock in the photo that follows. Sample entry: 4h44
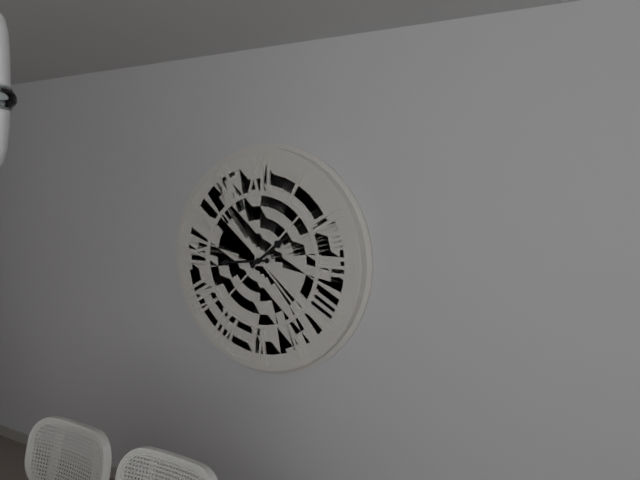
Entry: 1h44
